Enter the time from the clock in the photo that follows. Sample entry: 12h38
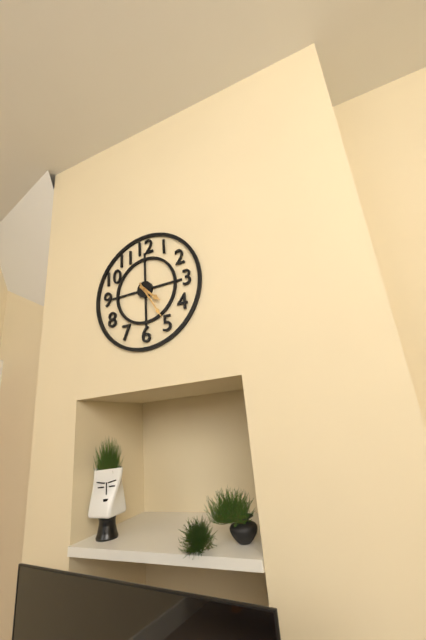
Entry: 4h25
